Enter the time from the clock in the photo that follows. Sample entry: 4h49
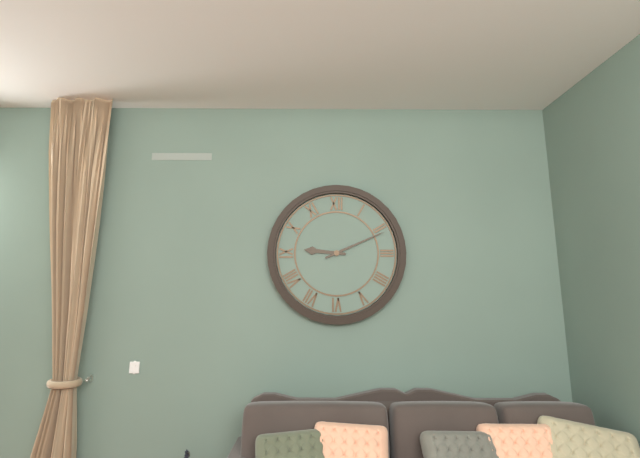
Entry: 9h11
